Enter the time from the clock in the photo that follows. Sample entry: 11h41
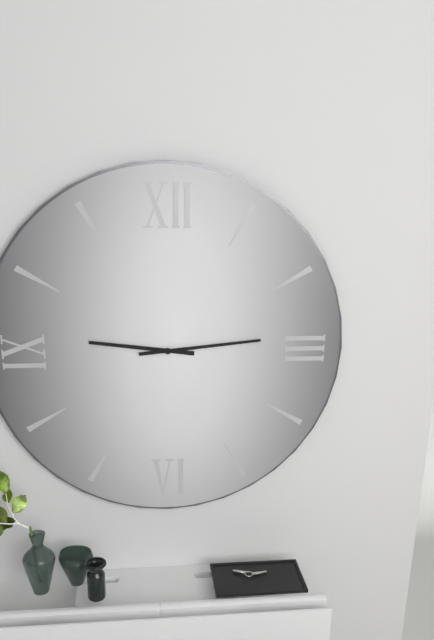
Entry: 9h14
